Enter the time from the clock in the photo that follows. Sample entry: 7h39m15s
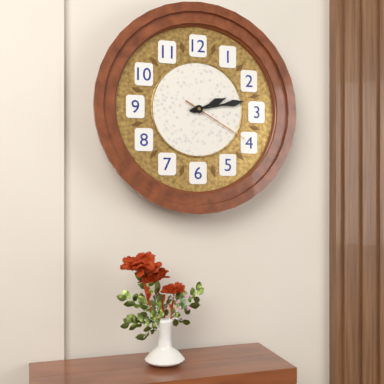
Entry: 2h13m20s
